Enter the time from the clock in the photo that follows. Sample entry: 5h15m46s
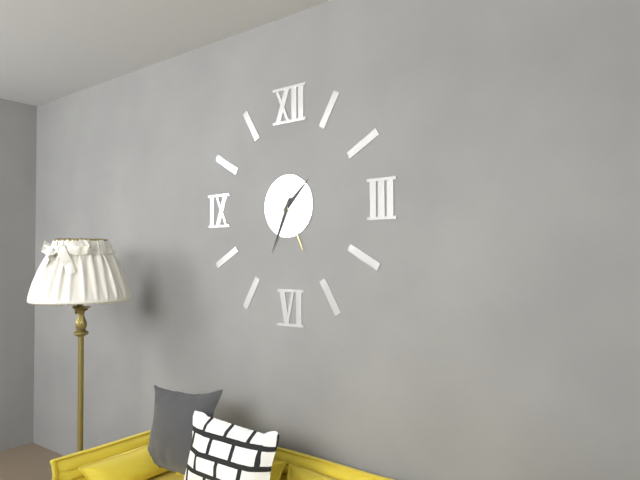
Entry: 1h34m26s
